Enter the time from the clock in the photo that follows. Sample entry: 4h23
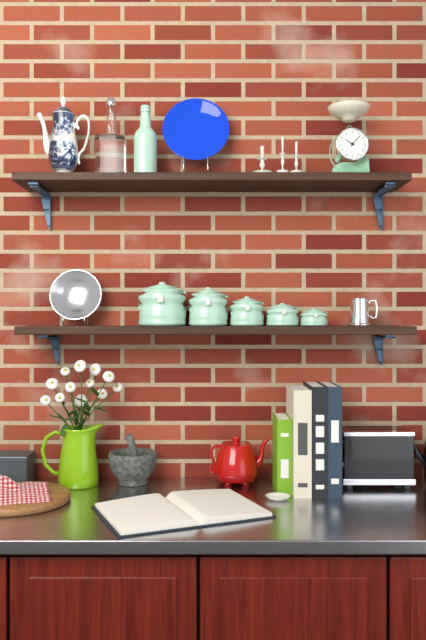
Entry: 10h07
